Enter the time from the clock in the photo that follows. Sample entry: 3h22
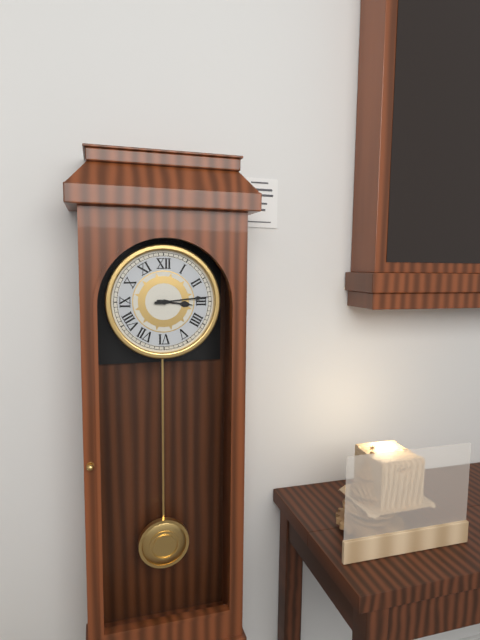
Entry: 3h14
